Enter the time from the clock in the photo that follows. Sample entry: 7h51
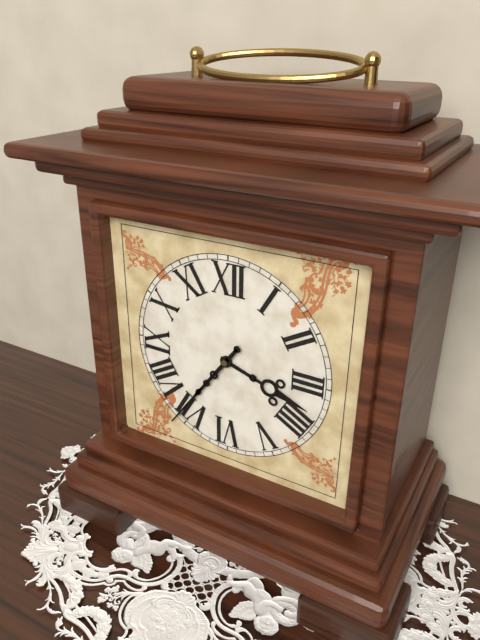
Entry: 3h36
